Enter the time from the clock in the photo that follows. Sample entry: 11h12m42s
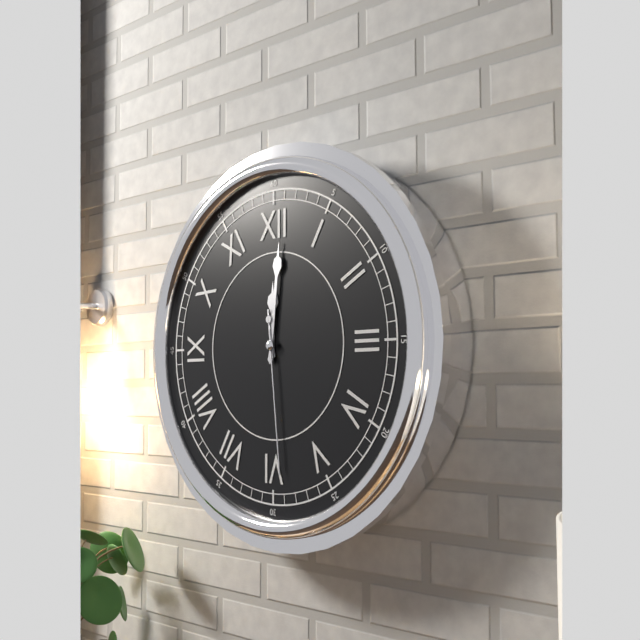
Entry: 12h01m29s
